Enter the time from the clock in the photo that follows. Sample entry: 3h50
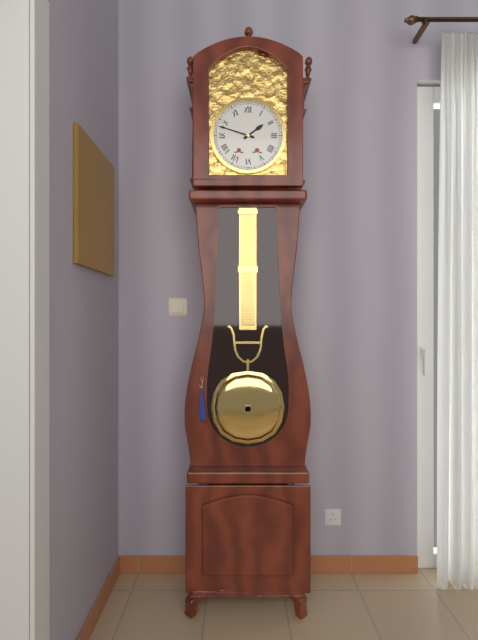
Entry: 1h48
